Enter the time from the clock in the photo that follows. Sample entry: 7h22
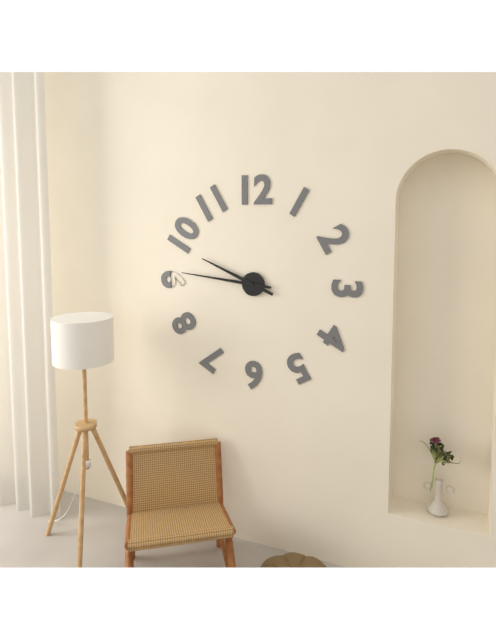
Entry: 9h46
